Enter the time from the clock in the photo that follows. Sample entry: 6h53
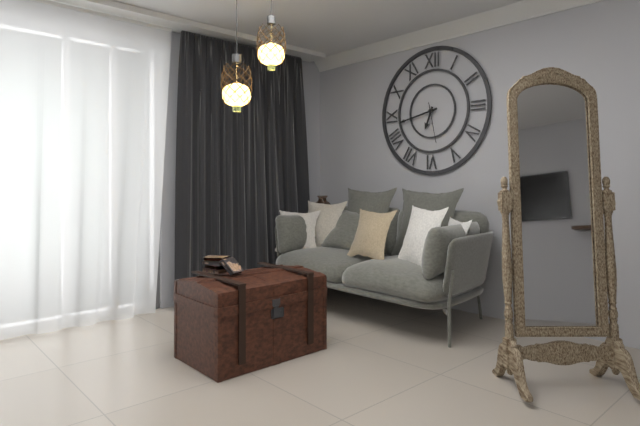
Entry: 6h43
